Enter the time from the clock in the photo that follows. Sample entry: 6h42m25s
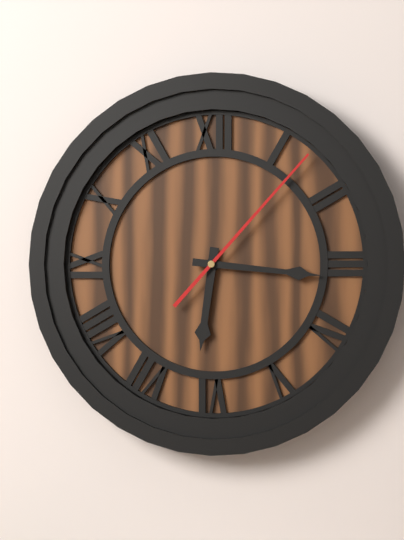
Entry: 6h16m07s
